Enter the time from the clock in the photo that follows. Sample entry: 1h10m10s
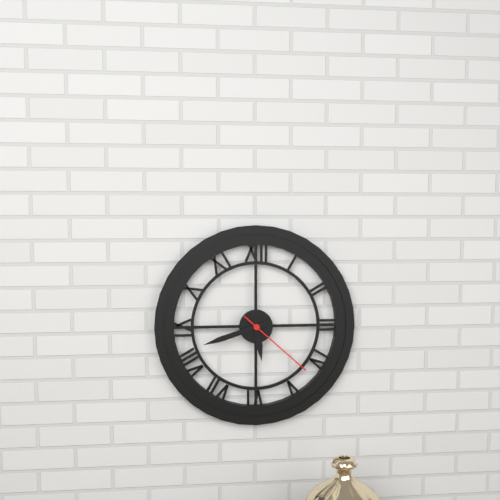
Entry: 5h42m22s
